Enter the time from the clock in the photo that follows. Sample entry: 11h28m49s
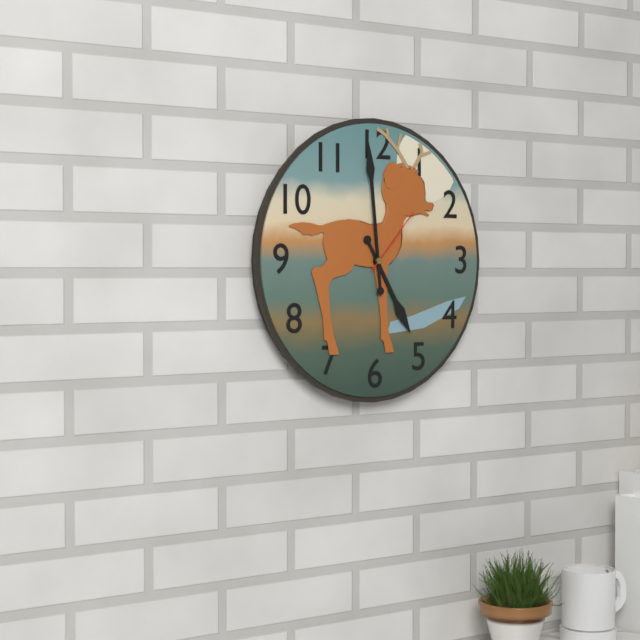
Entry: 4h59m07s
